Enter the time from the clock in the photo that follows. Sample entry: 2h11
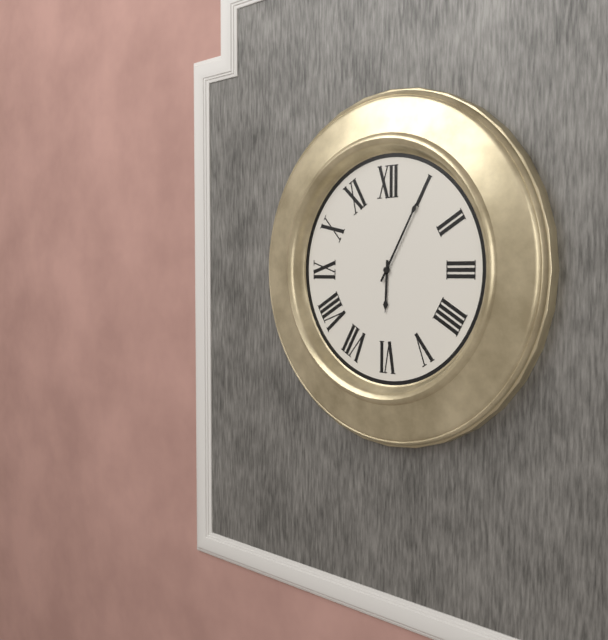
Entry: 6h05
